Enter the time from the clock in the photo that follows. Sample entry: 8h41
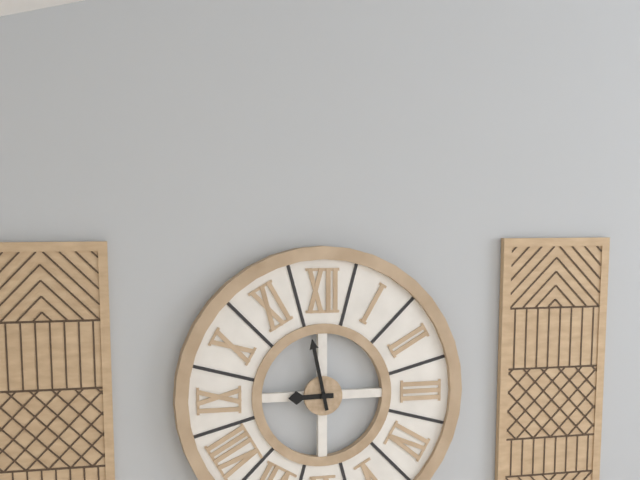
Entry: 8h58
